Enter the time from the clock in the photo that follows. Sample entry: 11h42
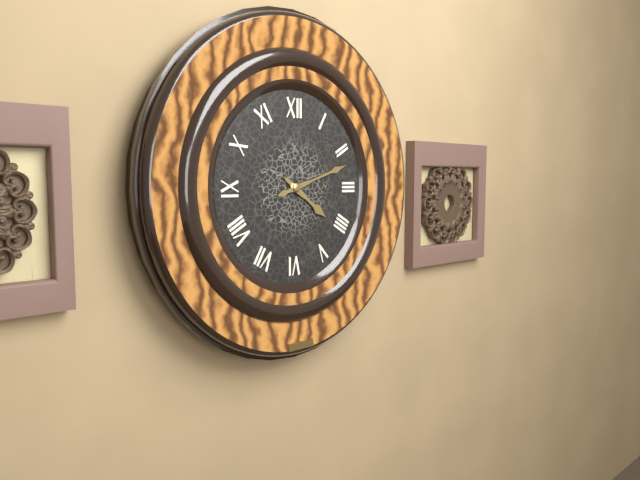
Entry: 4h12
